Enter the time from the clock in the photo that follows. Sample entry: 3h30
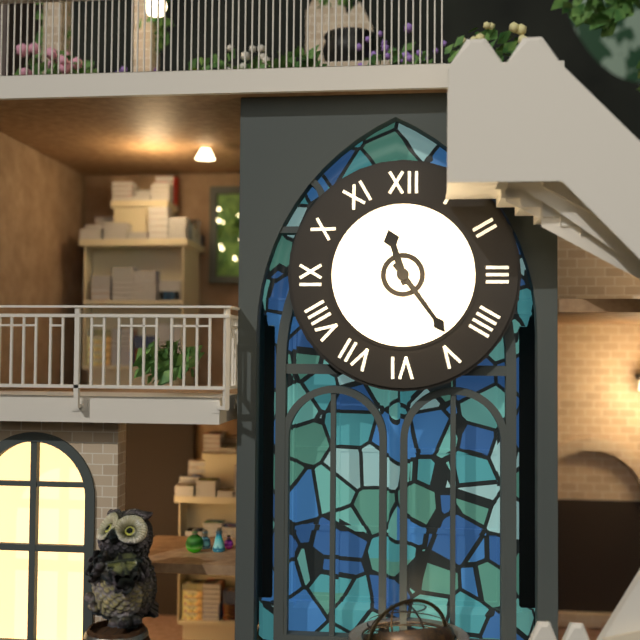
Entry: 11h24
